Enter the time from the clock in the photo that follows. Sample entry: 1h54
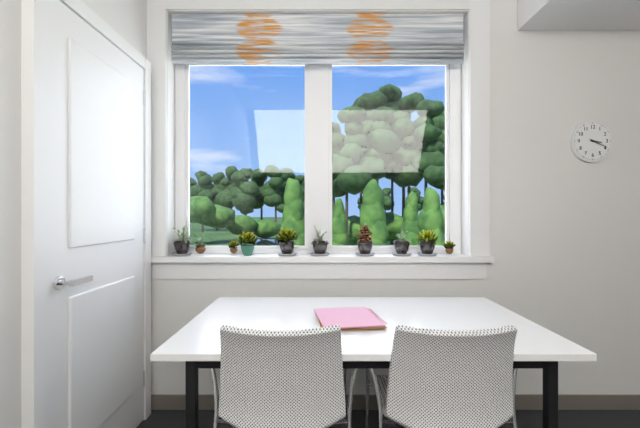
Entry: 3h19
